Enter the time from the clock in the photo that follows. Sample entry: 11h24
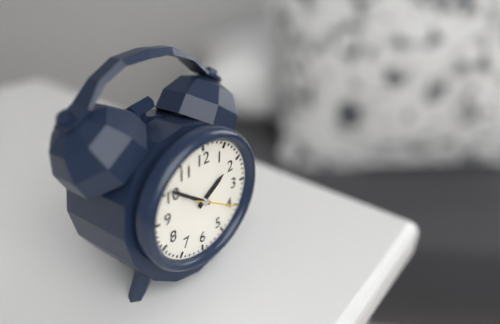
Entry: 1h51
